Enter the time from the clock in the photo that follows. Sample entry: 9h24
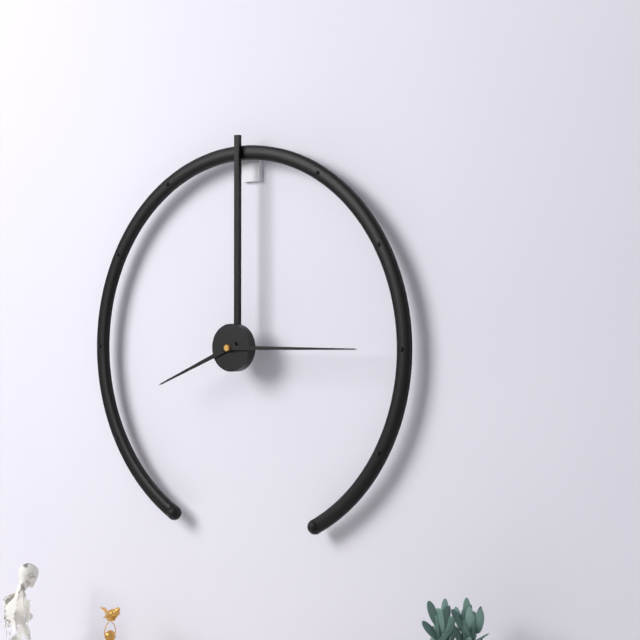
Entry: 8h15
